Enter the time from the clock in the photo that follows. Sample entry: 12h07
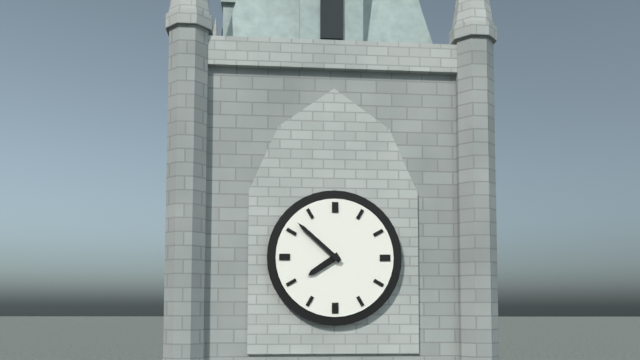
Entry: 7h52
